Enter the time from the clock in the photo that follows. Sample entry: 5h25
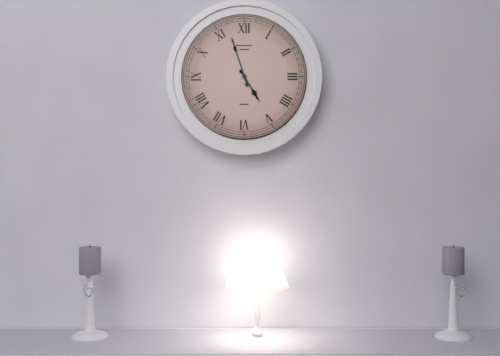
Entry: 4h57
